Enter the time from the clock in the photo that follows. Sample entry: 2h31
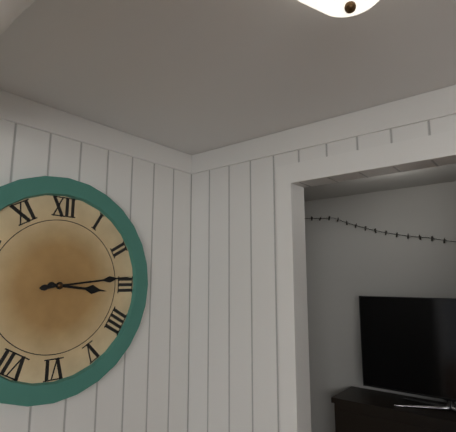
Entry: 3h14
